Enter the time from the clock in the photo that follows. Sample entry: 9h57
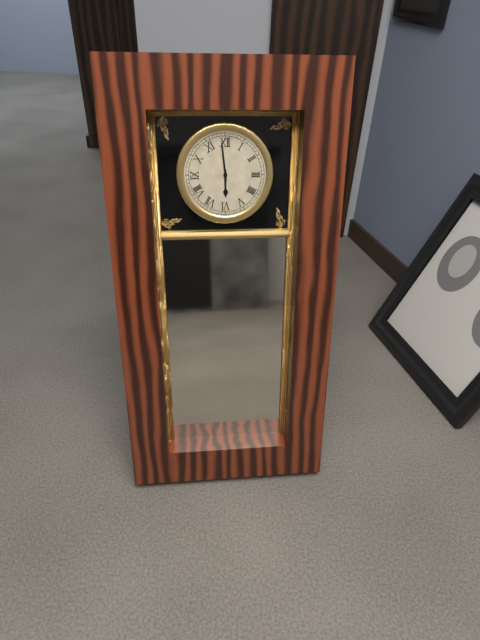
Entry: 5h59
